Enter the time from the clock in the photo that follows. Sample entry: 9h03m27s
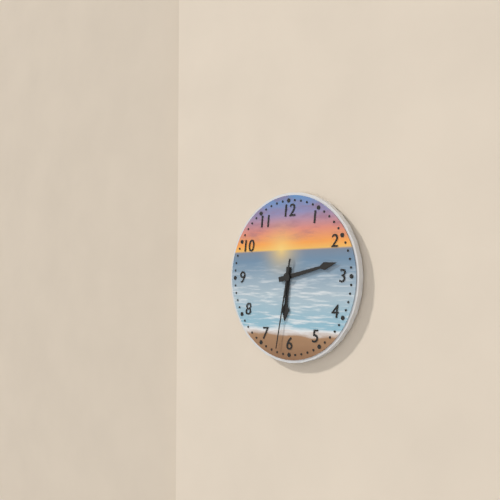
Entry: 6h13m32s
